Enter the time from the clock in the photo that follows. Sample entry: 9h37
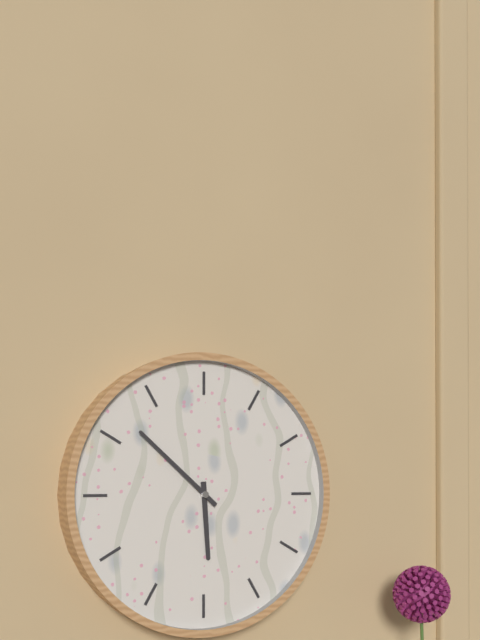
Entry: 5h52
